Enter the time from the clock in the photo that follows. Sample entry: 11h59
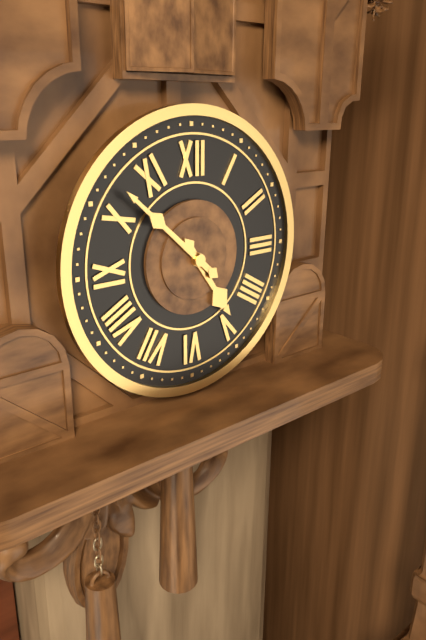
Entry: 4h52
